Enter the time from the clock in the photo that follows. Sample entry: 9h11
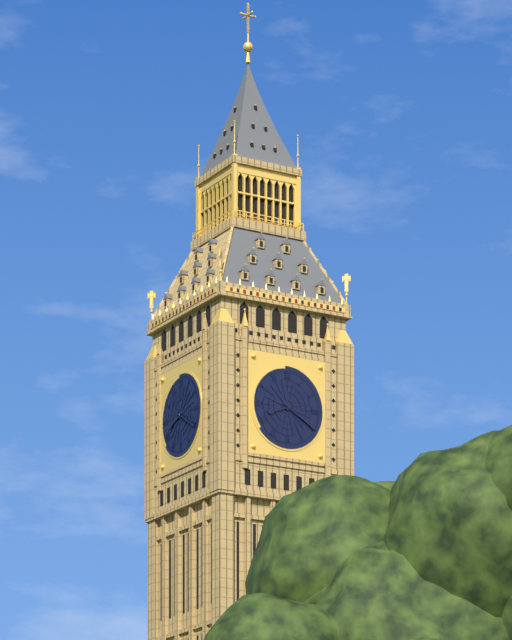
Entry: 8h20
